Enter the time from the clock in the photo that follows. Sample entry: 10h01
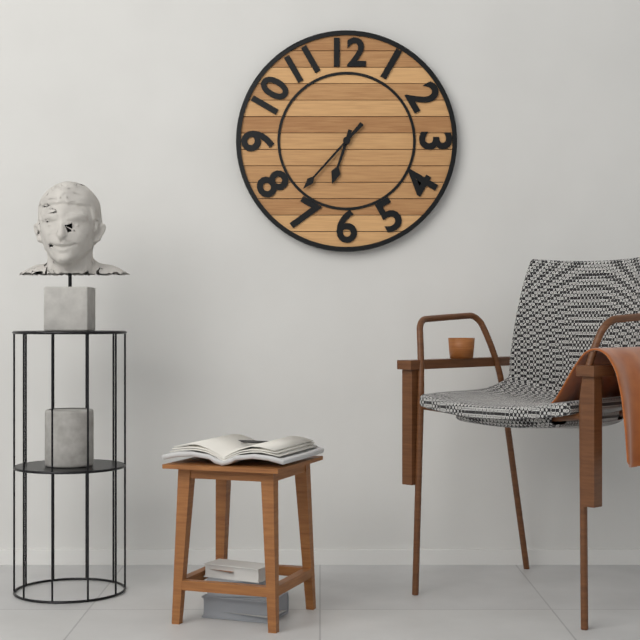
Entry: 6h37
